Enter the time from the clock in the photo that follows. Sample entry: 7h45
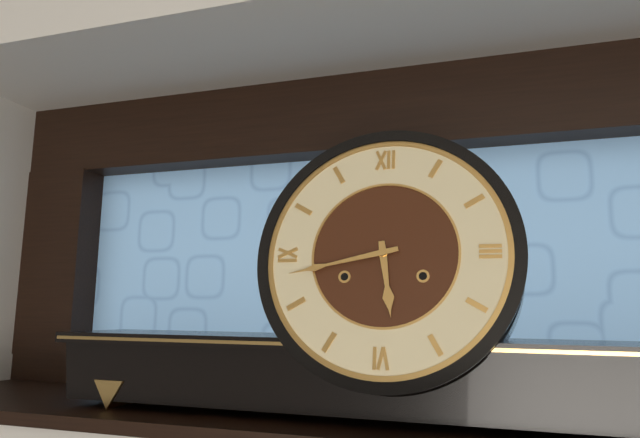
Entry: 5h43
